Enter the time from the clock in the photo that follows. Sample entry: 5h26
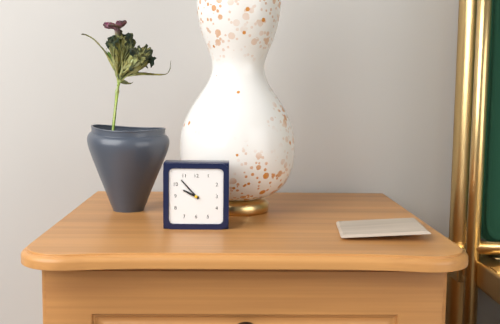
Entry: 9h53
